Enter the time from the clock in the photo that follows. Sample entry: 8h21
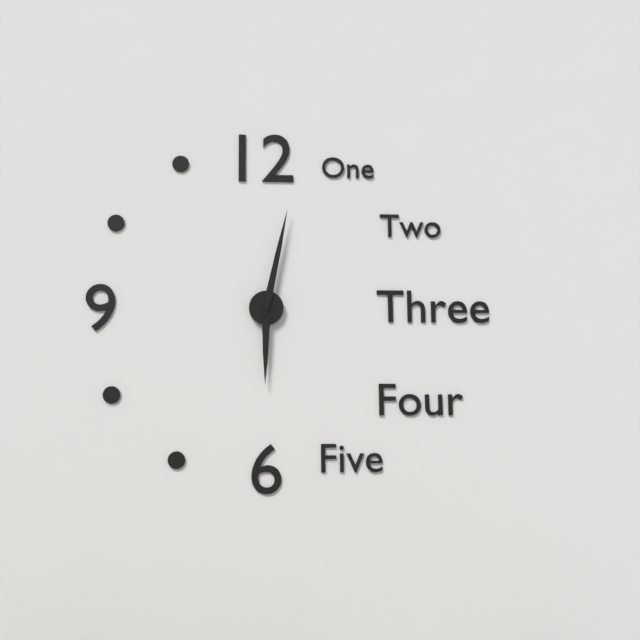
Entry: 6h02
